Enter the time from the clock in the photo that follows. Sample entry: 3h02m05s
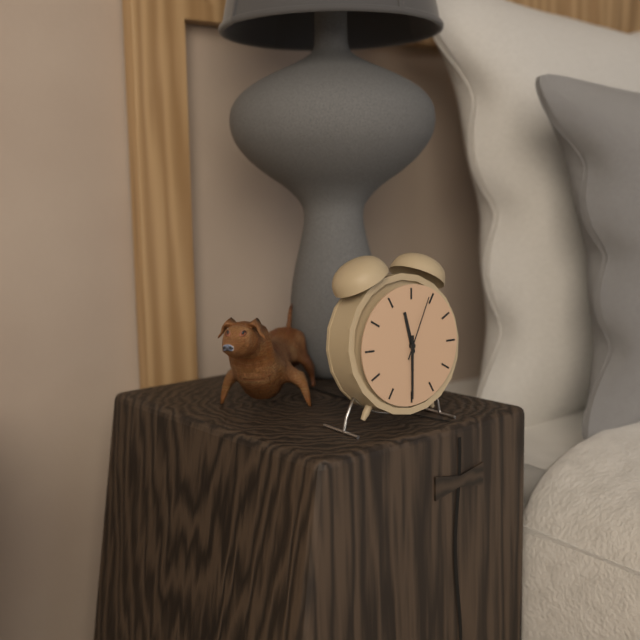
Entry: 11h30m04s
